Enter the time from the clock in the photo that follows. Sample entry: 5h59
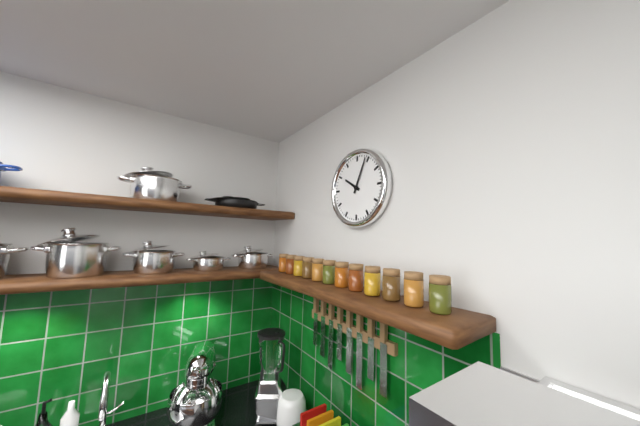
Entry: 10h04
